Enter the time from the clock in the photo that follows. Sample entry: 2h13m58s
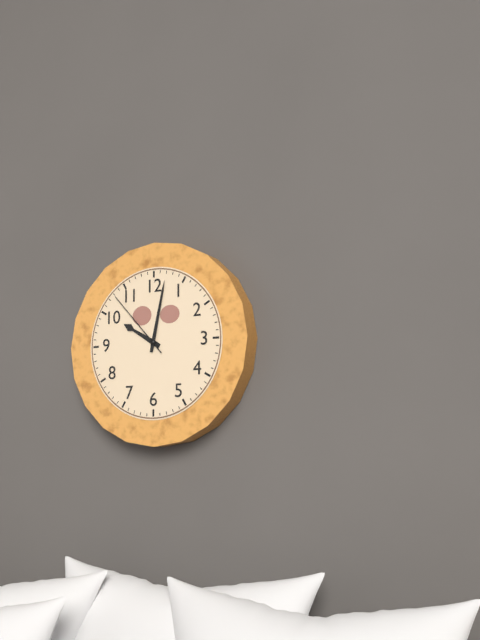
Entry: 10h02m53s
